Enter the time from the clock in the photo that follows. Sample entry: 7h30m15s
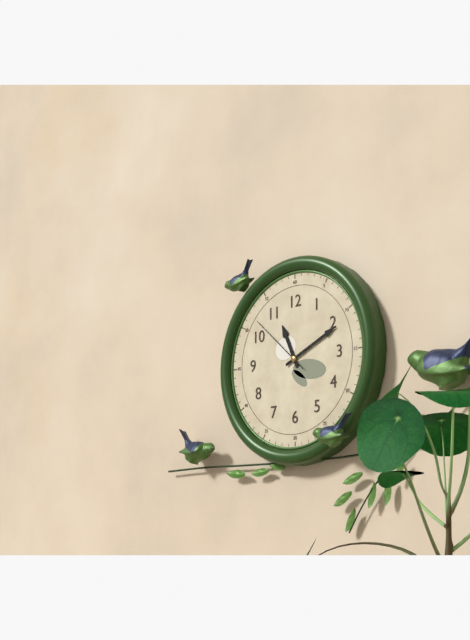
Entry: 11h11m52s
